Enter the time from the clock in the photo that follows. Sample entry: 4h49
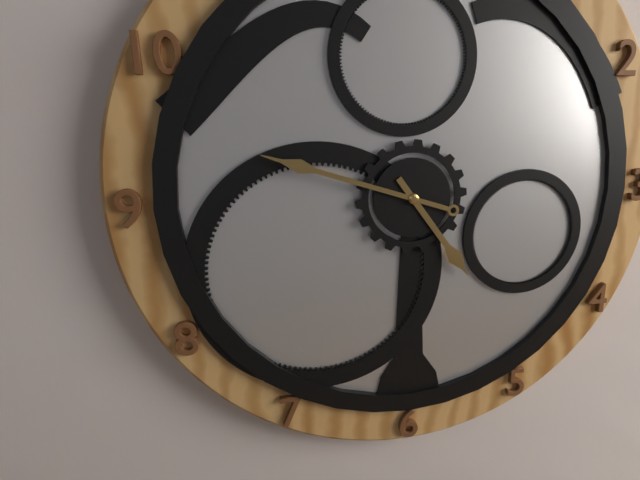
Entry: 4h48
